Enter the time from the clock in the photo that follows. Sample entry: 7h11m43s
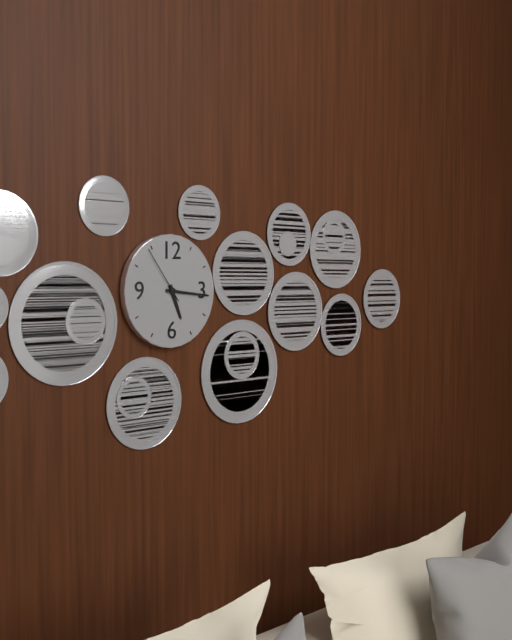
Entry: 5h16m54s
